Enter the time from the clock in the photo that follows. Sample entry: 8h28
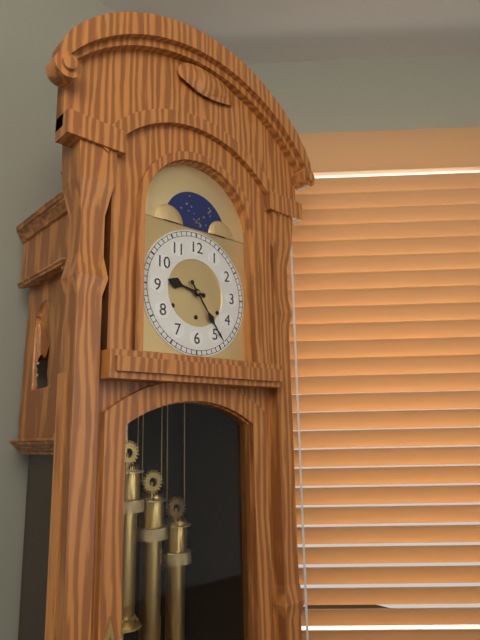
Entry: 9h24
